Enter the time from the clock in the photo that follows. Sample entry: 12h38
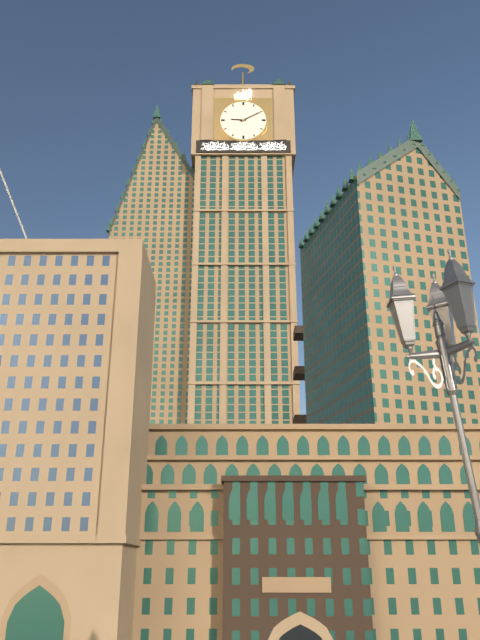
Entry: 9h10
